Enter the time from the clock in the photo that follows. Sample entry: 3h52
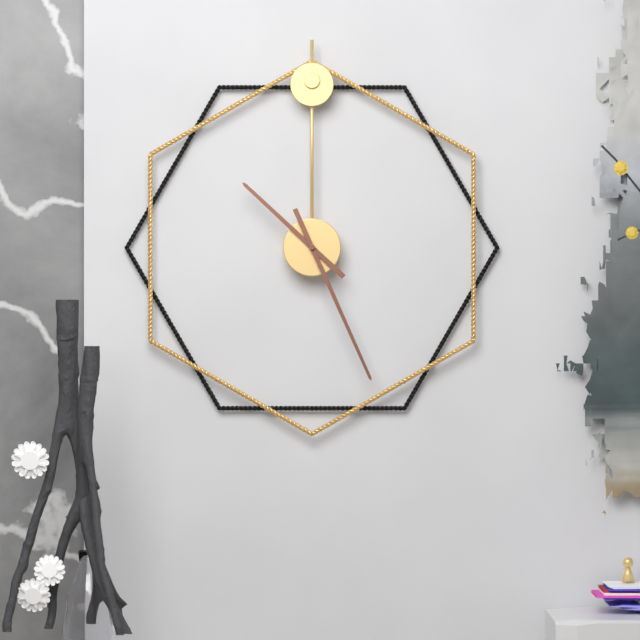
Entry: 10h26
